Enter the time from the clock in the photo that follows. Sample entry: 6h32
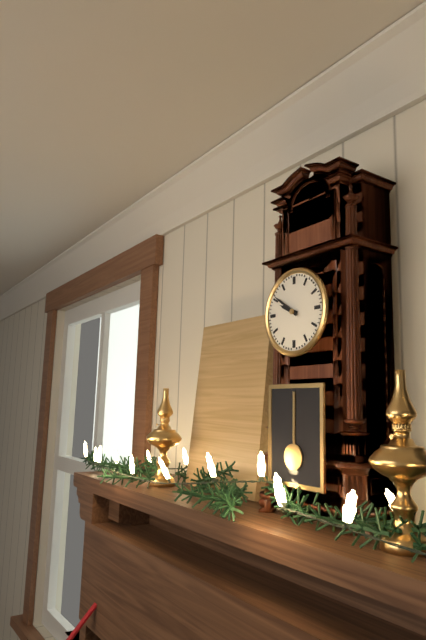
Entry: 9h51
